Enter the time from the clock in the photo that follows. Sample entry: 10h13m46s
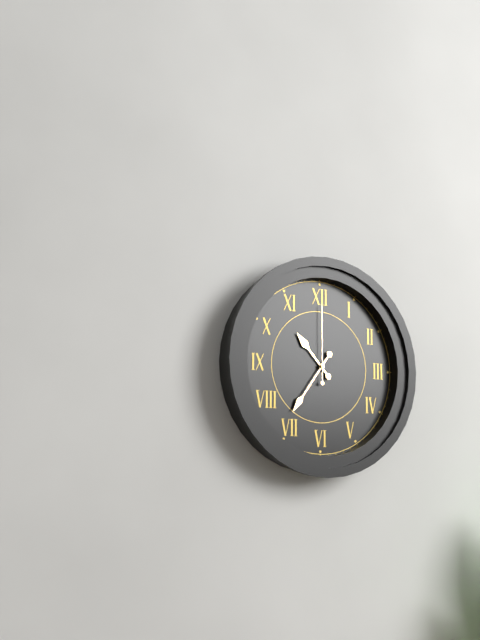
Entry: 10h36m00s
